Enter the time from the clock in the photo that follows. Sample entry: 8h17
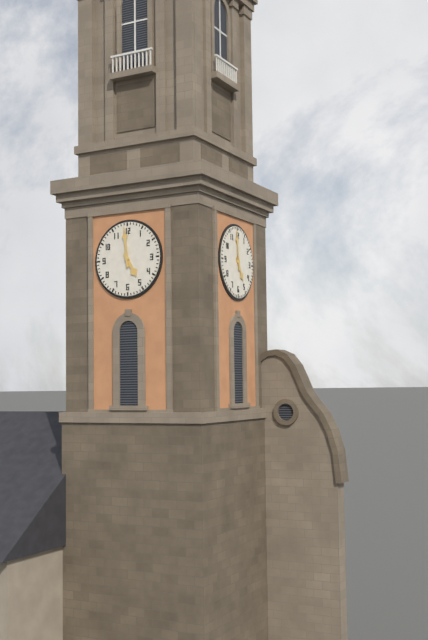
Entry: 4h59
